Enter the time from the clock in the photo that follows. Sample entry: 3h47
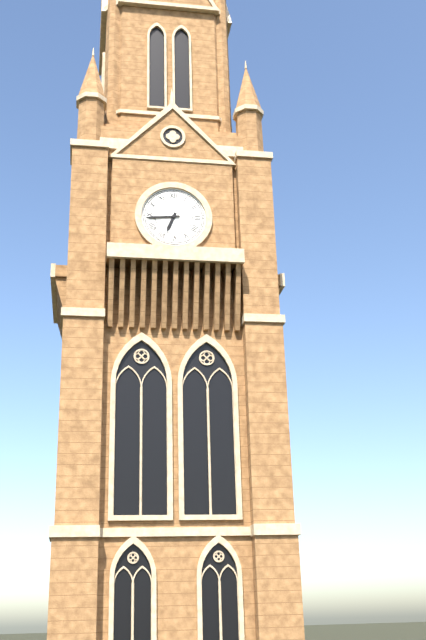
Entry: 6h44
